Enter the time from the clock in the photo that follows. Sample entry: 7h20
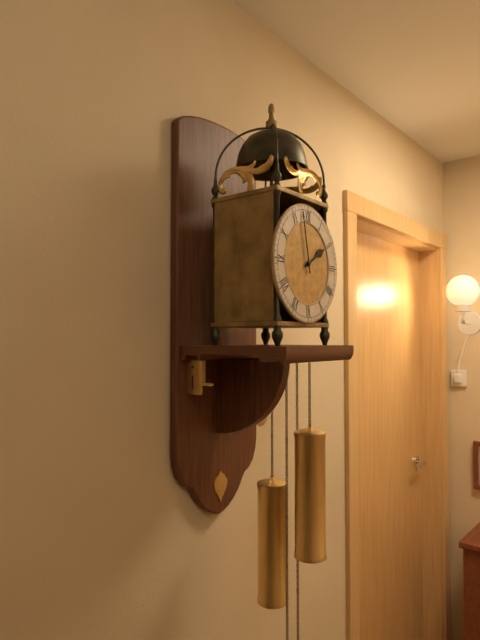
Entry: 1h58
